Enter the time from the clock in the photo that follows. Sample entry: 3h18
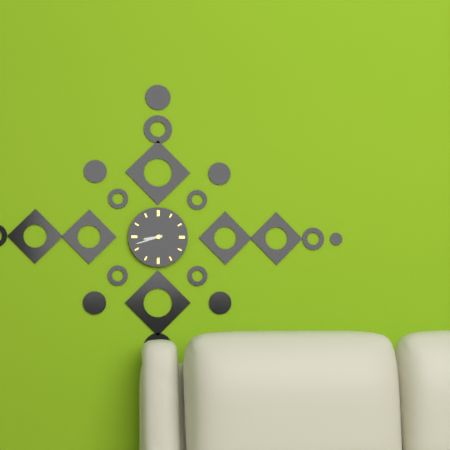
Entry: 8h42
